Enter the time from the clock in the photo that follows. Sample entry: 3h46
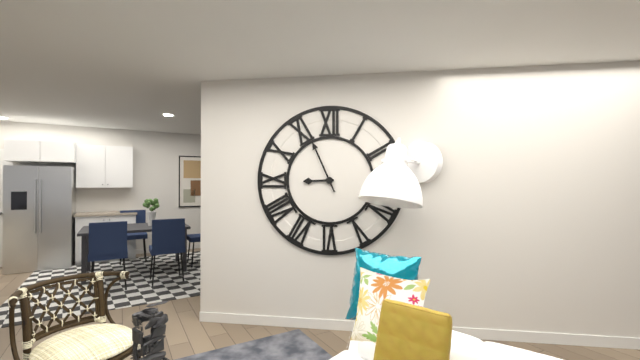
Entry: 8h56
